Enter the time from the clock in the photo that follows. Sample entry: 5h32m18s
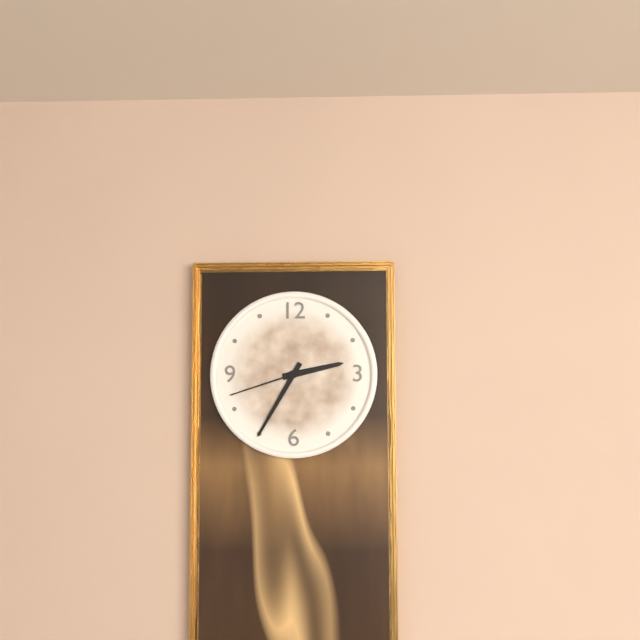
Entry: 2h35m42s
